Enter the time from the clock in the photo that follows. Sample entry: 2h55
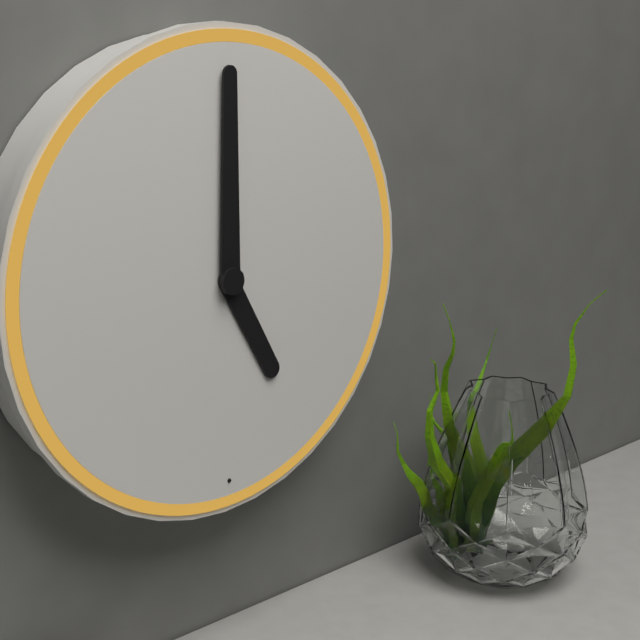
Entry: 5h00
